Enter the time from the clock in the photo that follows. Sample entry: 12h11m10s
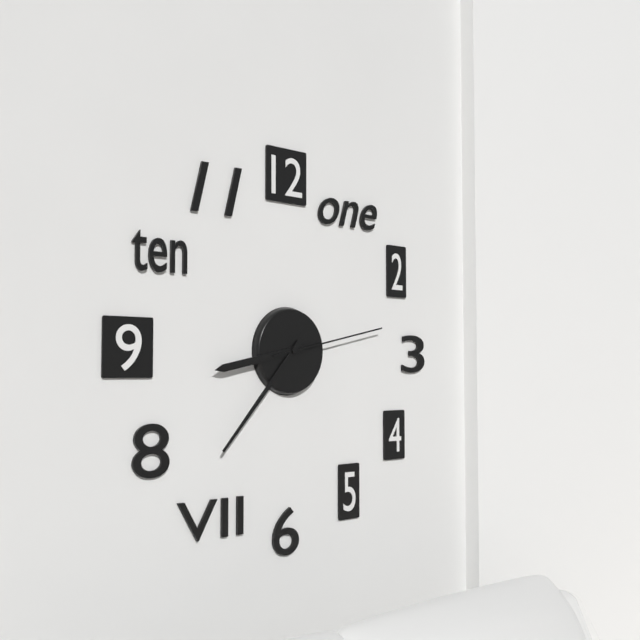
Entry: 8h37m13s
